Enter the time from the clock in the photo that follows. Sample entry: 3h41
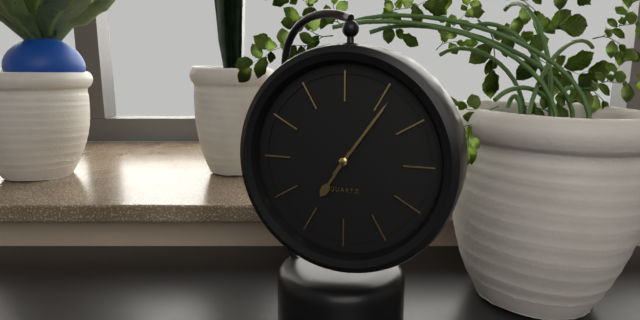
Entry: 7h06
